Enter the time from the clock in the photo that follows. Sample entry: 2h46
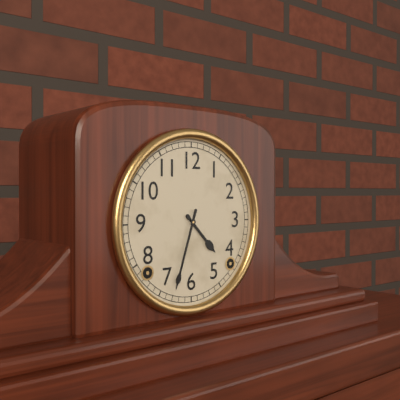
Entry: 4h33
